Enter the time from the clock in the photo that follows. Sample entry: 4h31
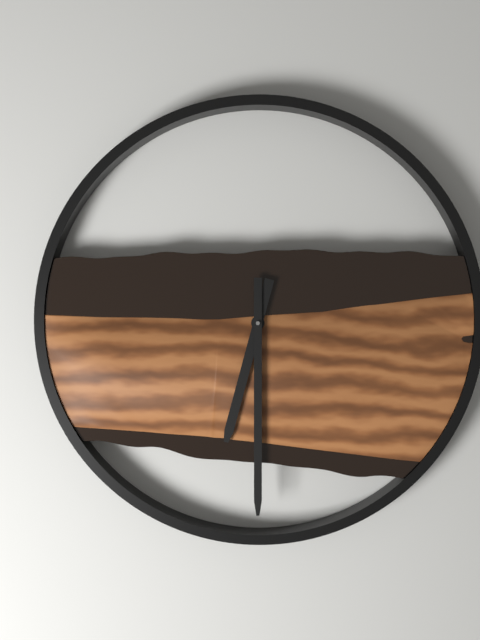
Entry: 6h30
